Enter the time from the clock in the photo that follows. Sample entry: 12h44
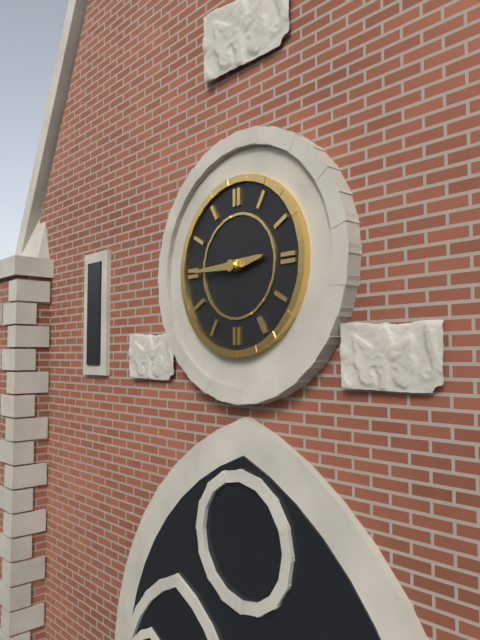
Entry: 2h45
